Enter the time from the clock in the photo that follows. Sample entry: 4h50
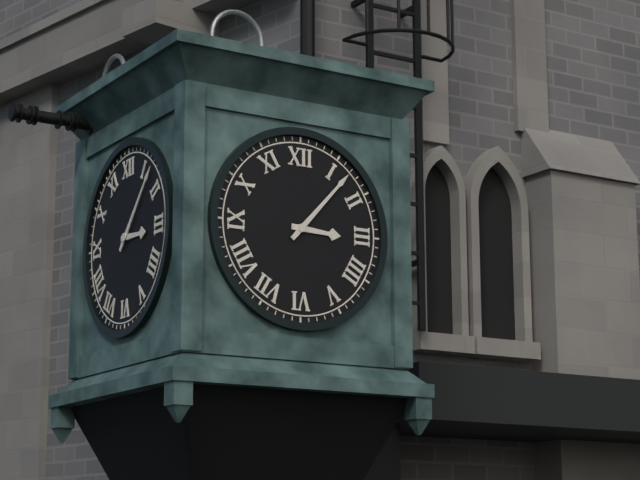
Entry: 3h07
